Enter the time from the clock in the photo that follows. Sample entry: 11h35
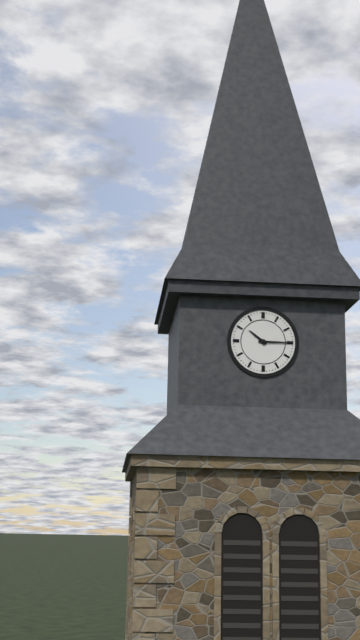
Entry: 10h15
